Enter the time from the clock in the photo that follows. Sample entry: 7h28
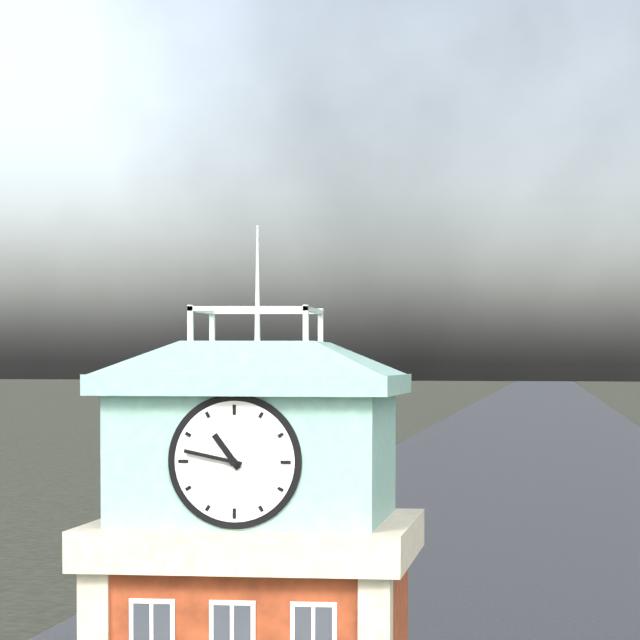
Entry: 10h47
